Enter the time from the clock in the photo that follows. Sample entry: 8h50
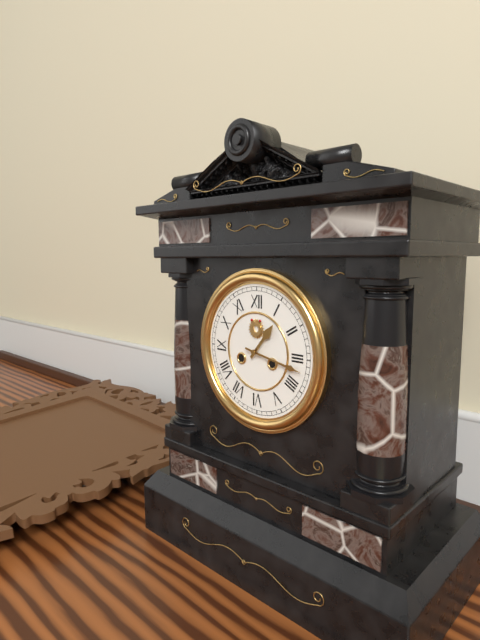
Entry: 1h17
